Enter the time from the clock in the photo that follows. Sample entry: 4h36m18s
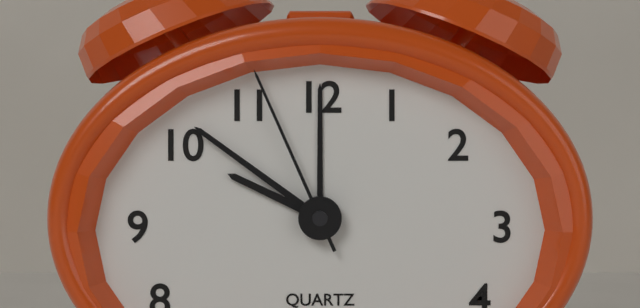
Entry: 9h51m56s
